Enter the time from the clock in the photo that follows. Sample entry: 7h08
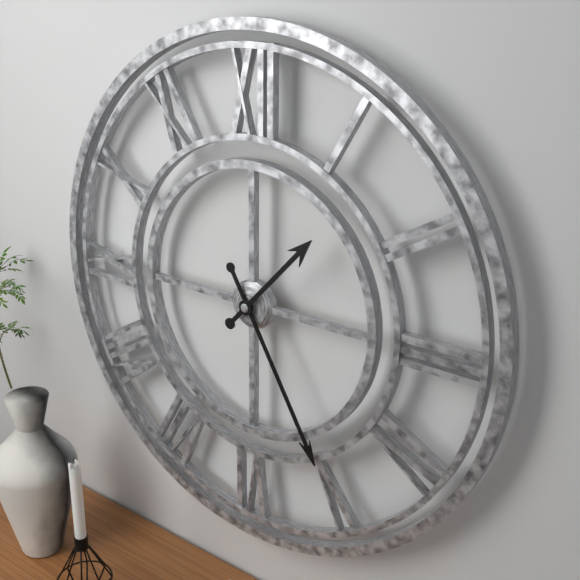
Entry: 1h25
